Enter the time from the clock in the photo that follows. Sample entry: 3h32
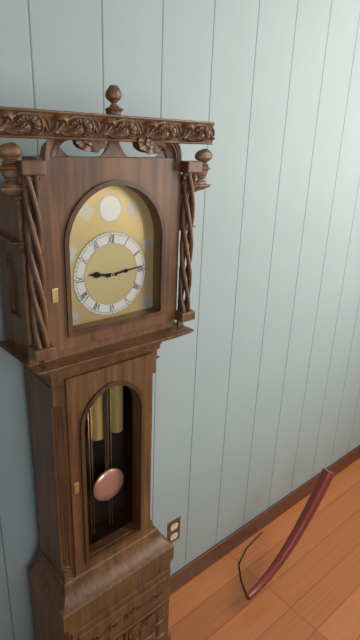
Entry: 9h14
